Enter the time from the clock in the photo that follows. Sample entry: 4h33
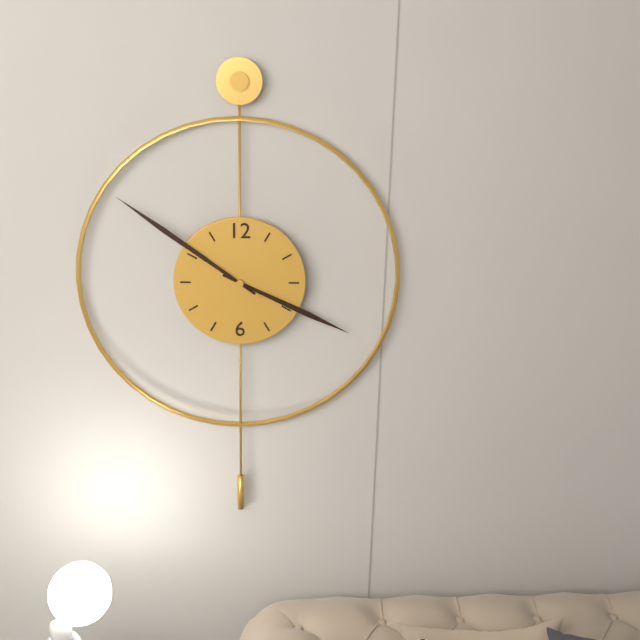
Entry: 3h51
